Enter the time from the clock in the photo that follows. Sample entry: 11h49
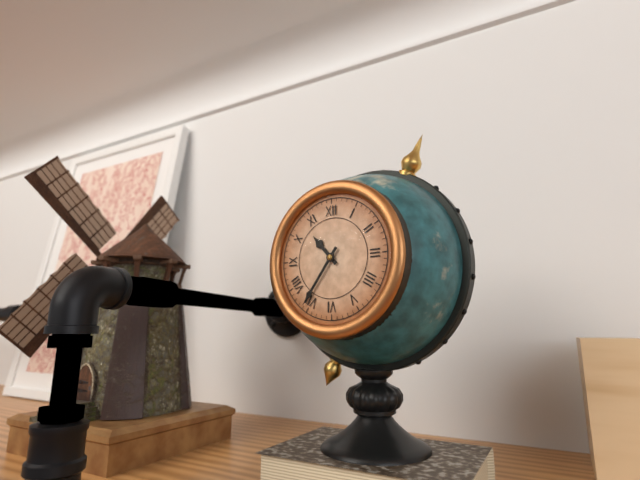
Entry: 10h36
